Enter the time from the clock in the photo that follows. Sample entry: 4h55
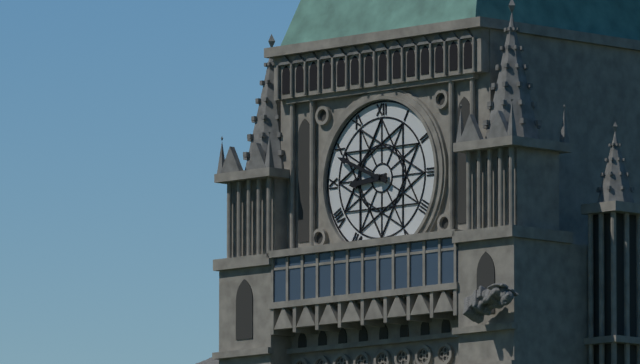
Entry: 8h49
